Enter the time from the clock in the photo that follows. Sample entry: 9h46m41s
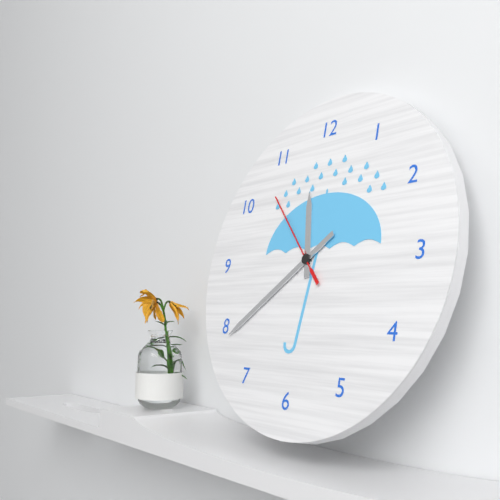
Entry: 11h39m53s
